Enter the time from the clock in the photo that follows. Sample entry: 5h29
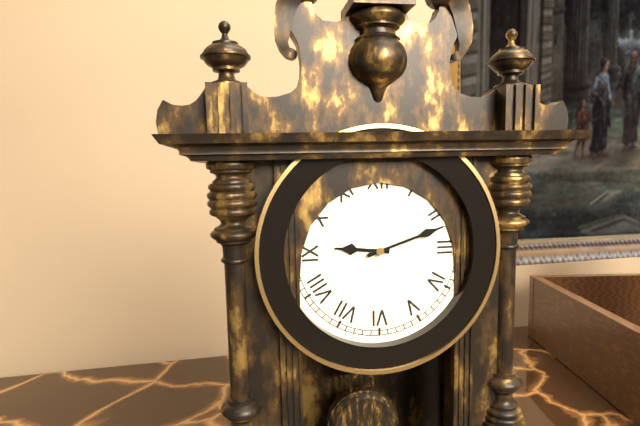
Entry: 9h12
